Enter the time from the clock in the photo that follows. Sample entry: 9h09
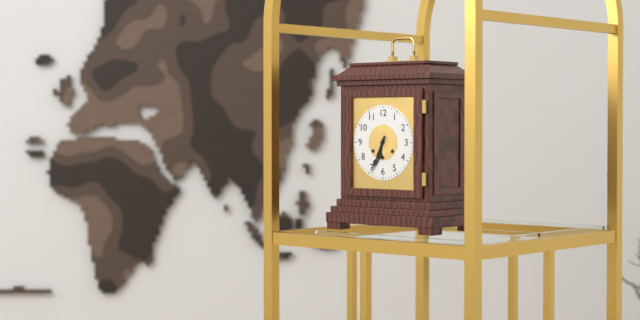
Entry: 6h34
